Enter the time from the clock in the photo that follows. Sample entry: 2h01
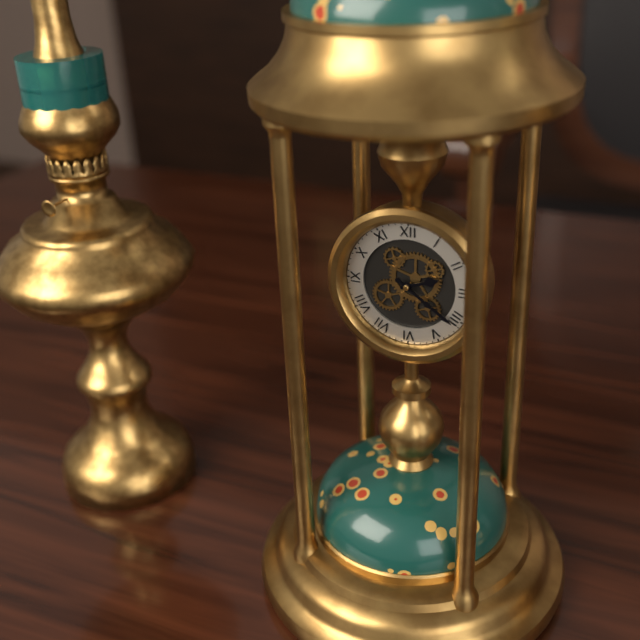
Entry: 2h21
